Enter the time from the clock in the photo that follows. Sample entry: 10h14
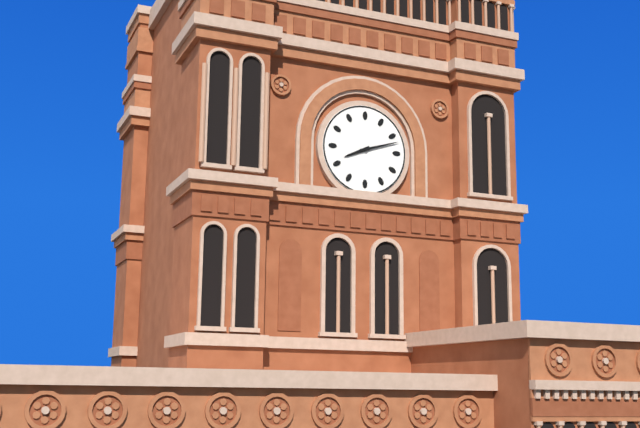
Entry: 8h12
